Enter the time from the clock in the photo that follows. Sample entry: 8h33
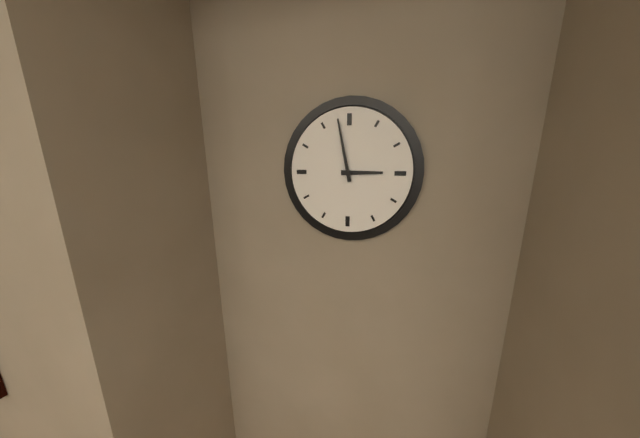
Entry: 2h58
